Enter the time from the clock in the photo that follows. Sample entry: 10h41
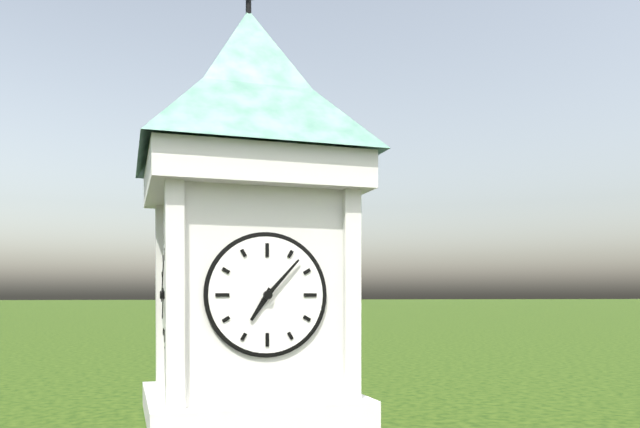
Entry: 7h07
